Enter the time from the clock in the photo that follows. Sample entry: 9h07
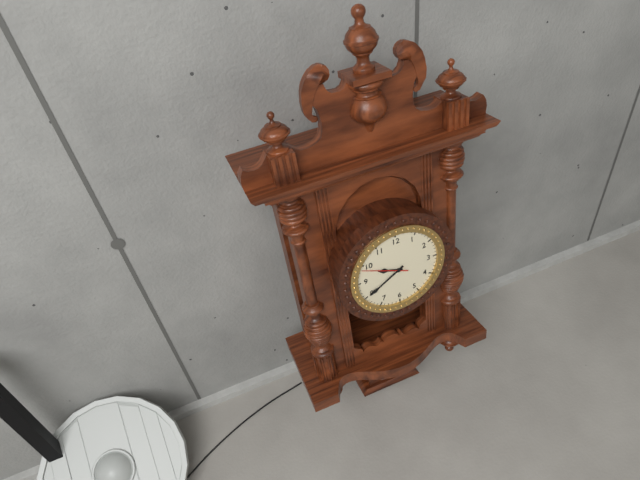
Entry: 9h40
